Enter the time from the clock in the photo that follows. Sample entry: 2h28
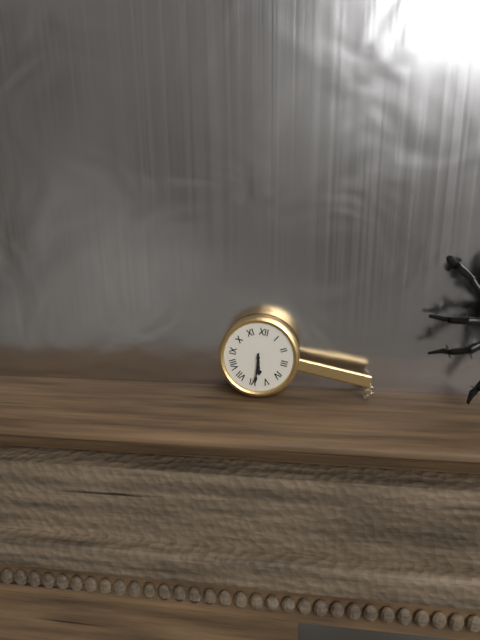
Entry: 5h29
